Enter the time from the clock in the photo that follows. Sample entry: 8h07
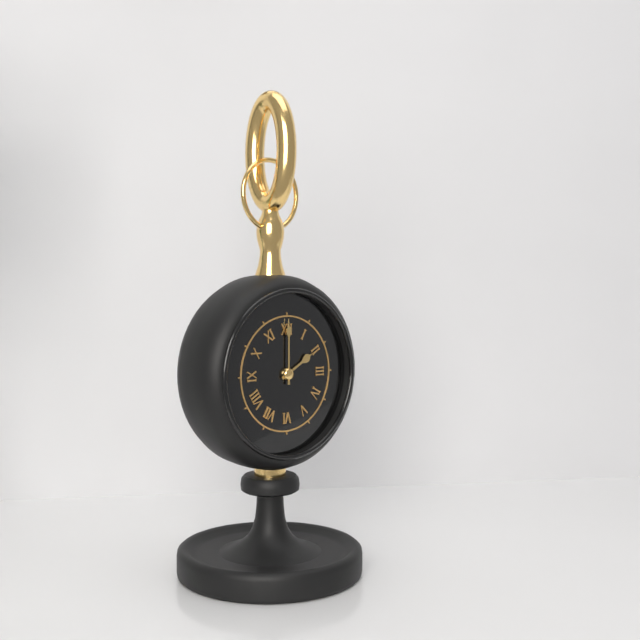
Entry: 2h00
